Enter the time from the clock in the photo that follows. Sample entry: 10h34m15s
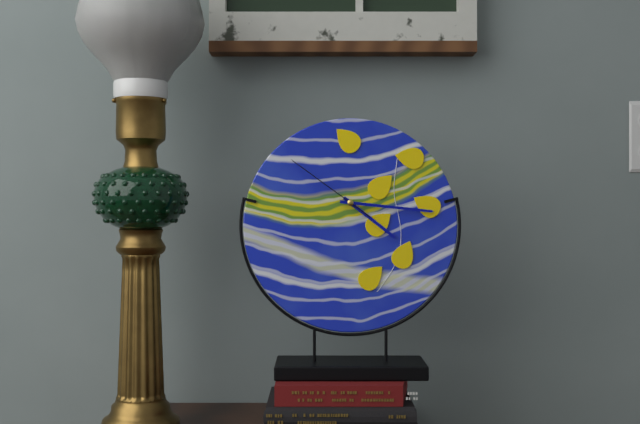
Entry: 4h16m51s
